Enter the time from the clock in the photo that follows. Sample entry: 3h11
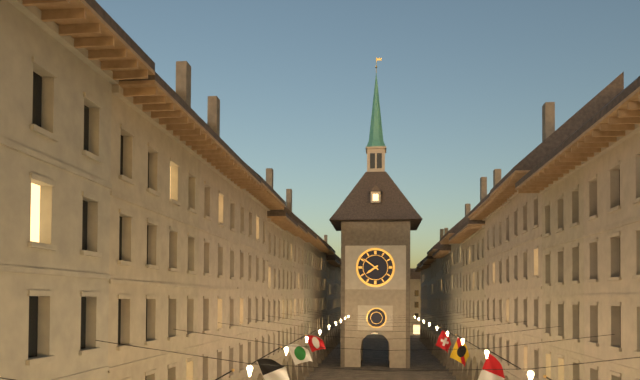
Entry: 7h51
